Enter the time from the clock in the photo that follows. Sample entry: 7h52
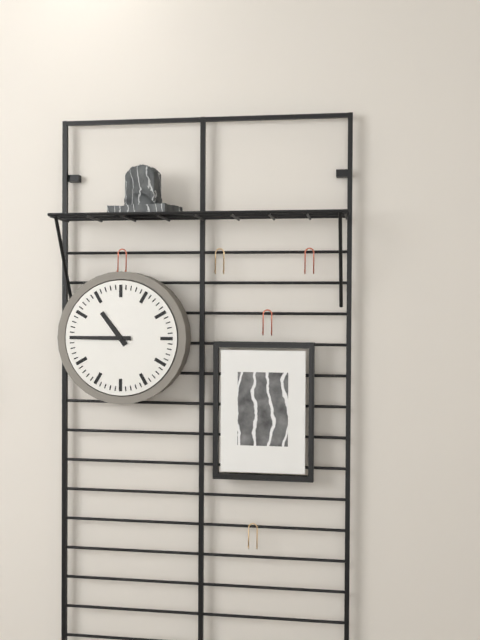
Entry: 10h45
